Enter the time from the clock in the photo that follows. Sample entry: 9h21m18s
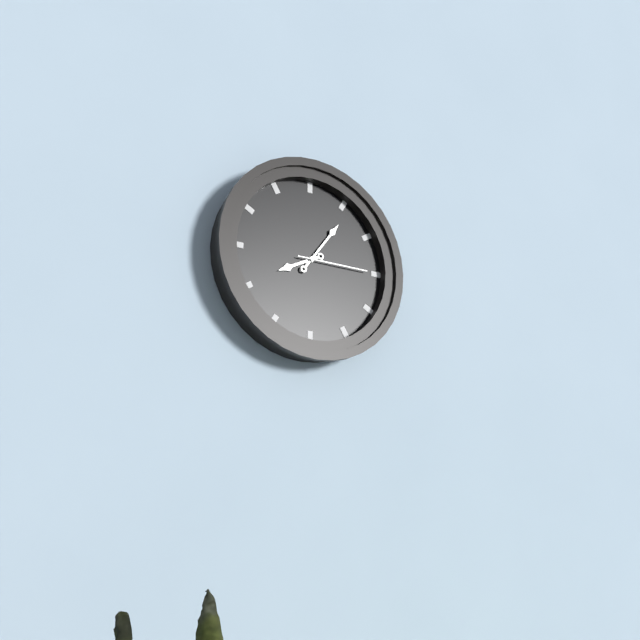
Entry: 8h06m15s
